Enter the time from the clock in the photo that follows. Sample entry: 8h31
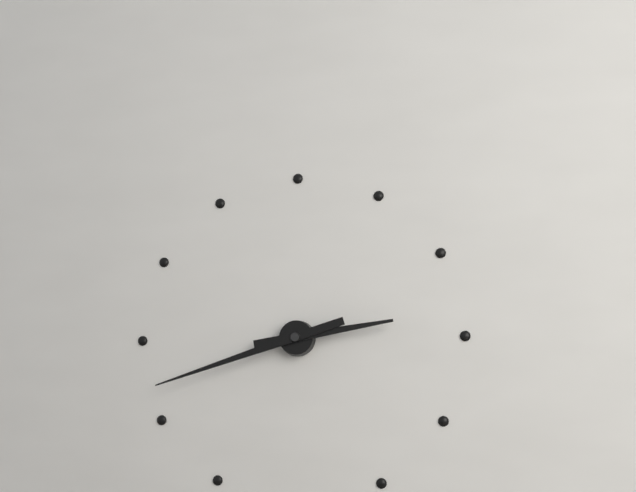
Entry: 2h42
